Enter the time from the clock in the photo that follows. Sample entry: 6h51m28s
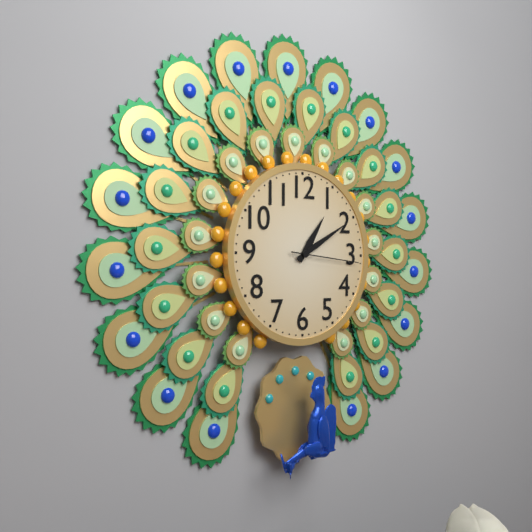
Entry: 1h10m16s
